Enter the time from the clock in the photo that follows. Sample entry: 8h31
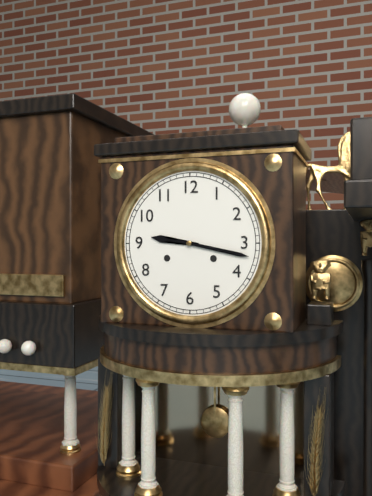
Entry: 9h17
